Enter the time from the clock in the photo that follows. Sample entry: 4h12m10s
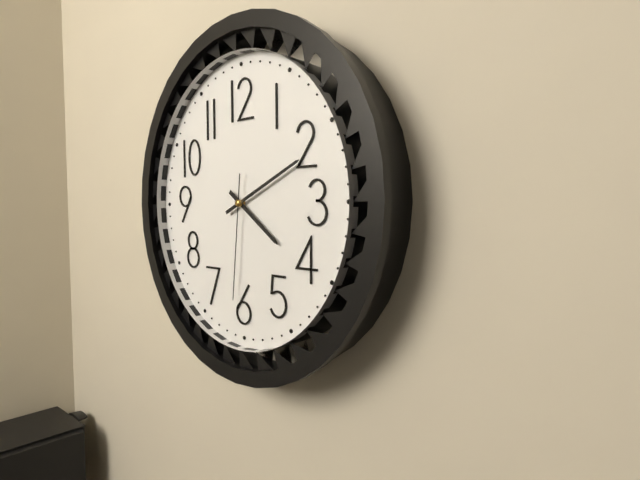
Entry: 4h11m31s
